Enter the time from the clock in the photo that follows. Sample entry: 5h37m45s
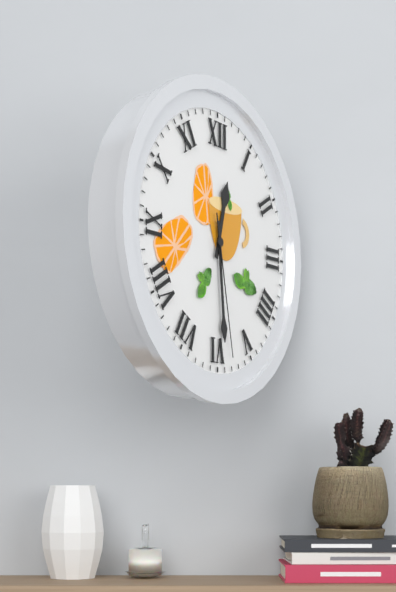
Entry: 12h29m28s
